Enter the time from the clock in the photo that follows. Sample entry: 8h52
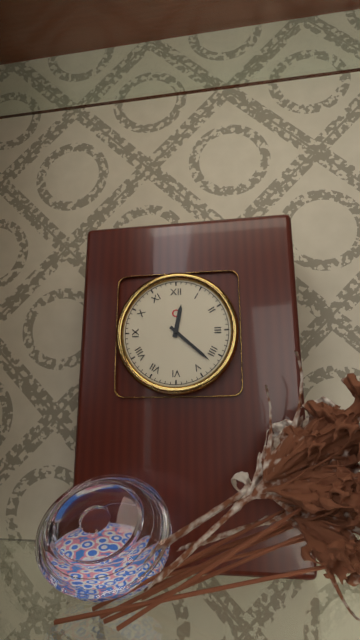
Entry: 12h22
